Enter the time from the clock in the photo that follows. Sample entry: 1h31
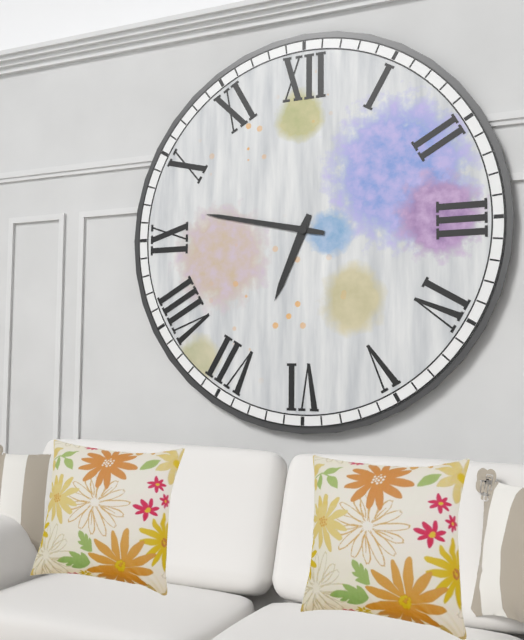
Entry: 6h47
